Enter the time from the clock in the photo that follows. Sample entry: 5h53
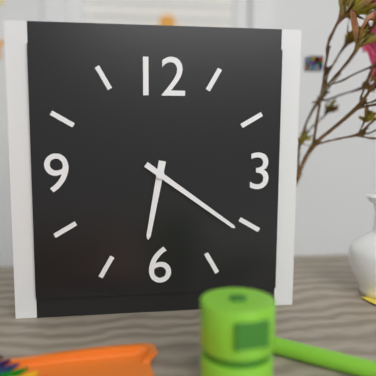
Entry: 6h21
